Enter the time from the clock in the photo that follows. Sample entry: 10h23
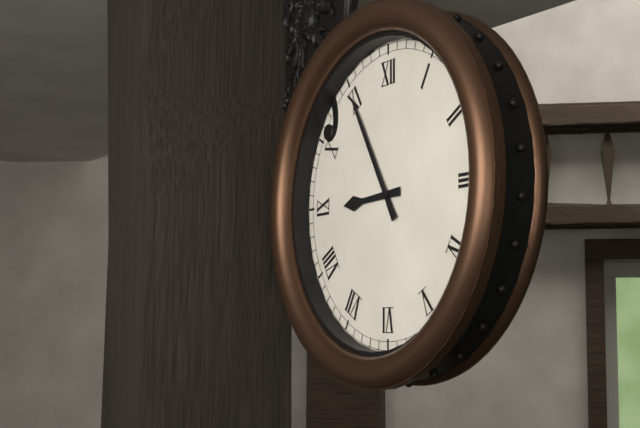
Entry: 8h55
